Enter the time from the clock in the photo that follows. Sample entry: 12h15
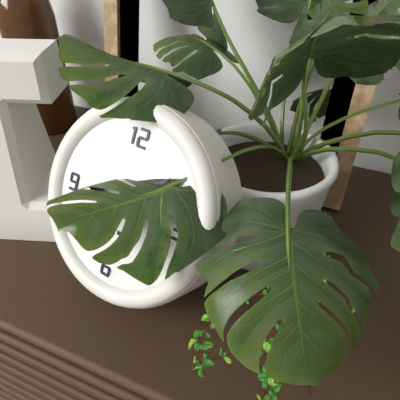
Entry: 9h08
